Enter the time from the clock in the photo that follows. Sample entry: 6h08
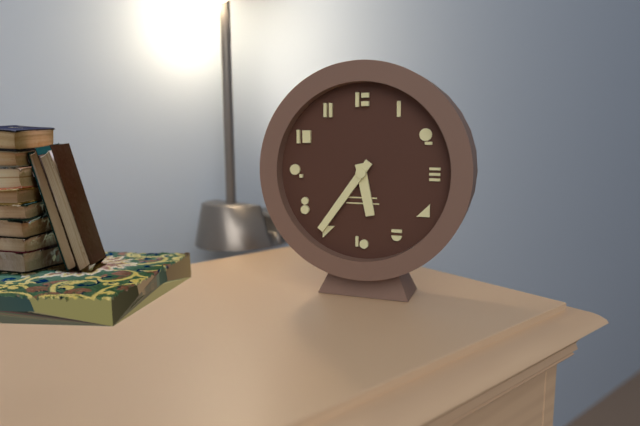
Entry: 5h36
